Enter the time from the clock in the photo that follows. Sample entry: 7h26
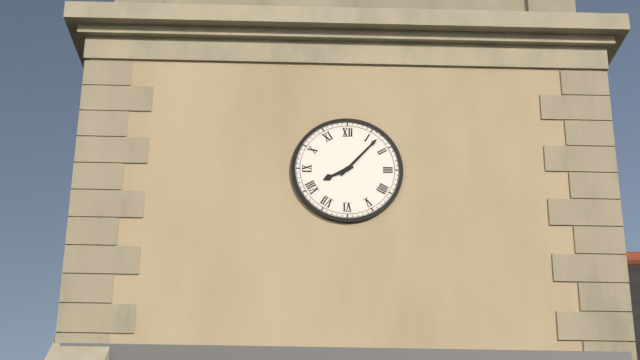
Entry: 8h07
